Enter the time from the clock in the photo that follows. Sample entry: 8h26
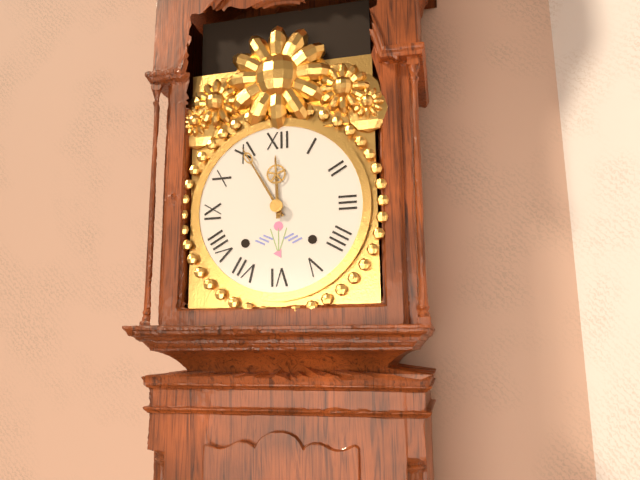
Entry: 11h55
